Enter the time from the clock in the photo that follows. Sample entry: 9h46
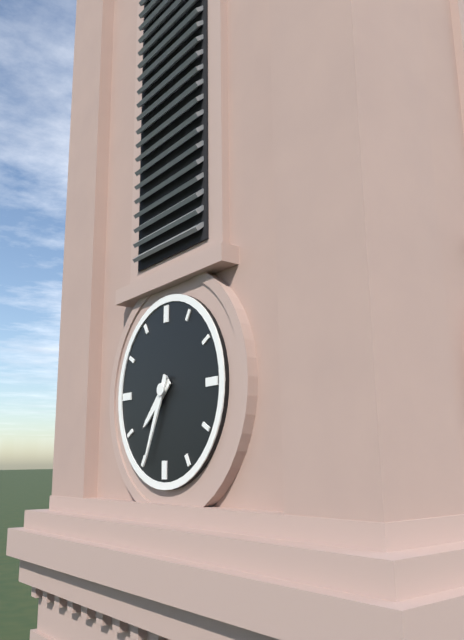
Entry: 7h34
